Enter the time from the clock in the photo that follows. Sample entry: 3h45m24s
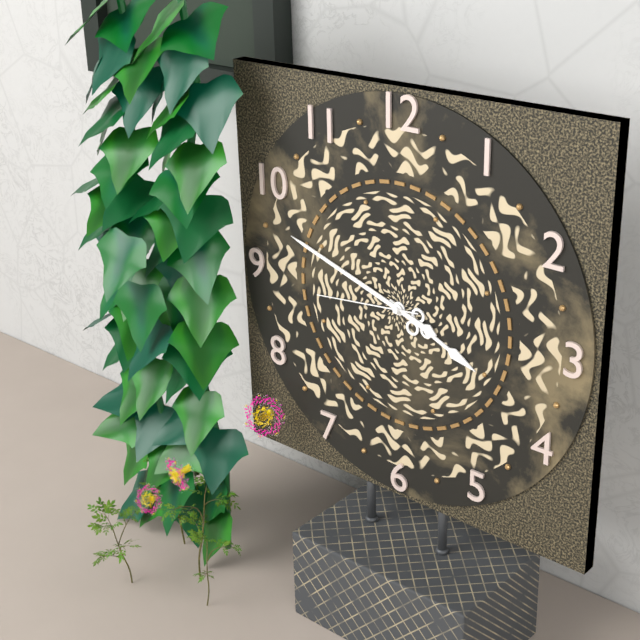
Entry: 3h48m44s
